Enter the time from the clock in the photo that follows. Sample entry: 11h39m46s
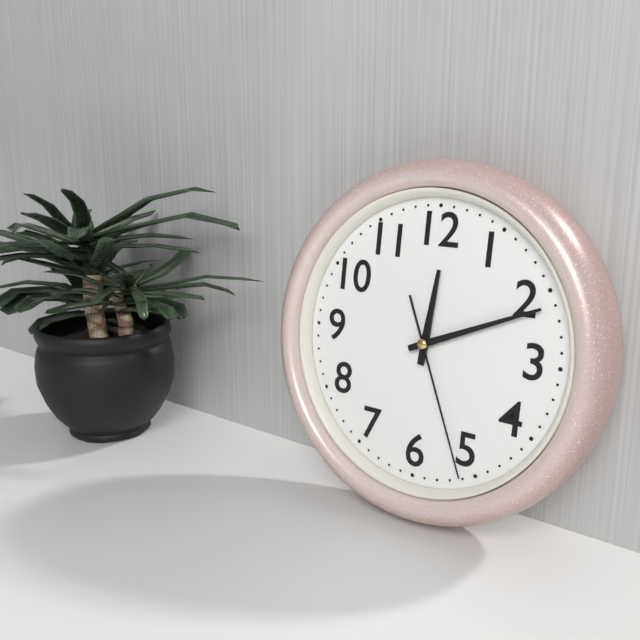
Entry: 12h11m26s
